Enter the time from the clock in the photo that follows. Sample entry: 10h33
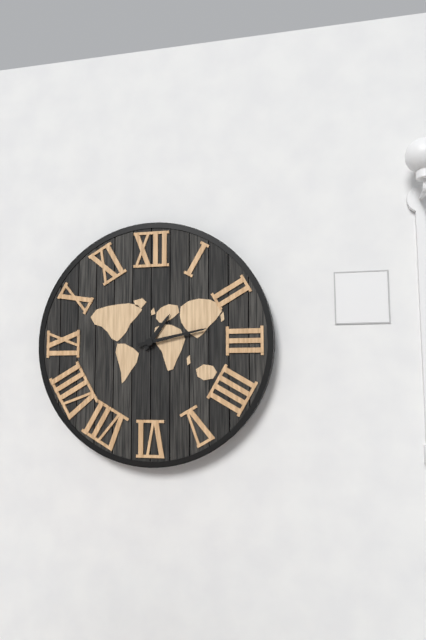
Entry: 1h13
